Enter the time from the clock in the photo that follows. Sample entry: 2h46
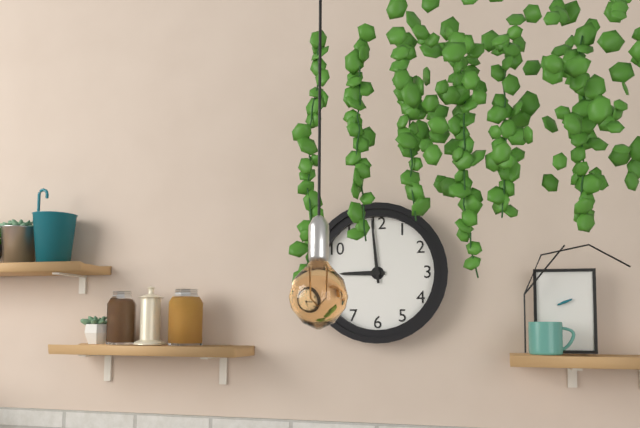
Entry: 8h59
